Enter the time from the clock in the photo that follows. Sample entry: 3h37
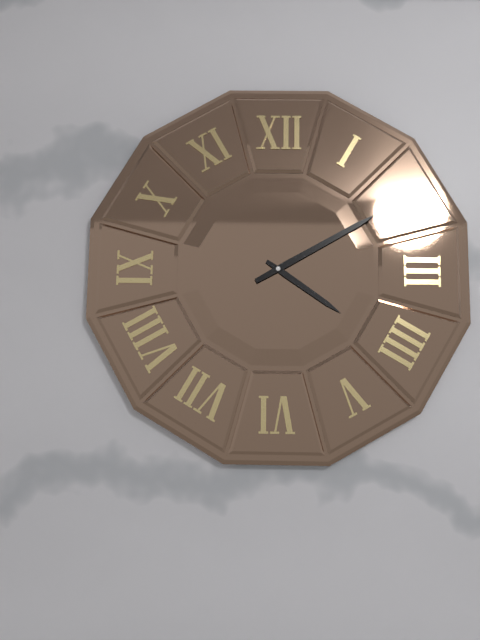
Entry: 4h10
